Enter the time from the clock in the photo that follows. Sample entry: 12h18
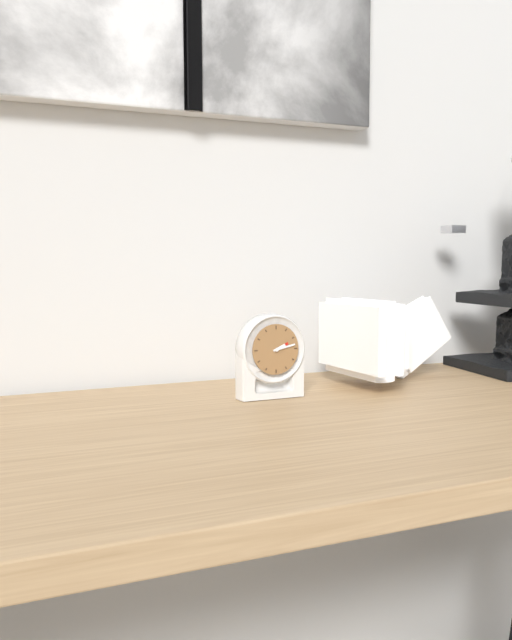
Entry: 2h13
